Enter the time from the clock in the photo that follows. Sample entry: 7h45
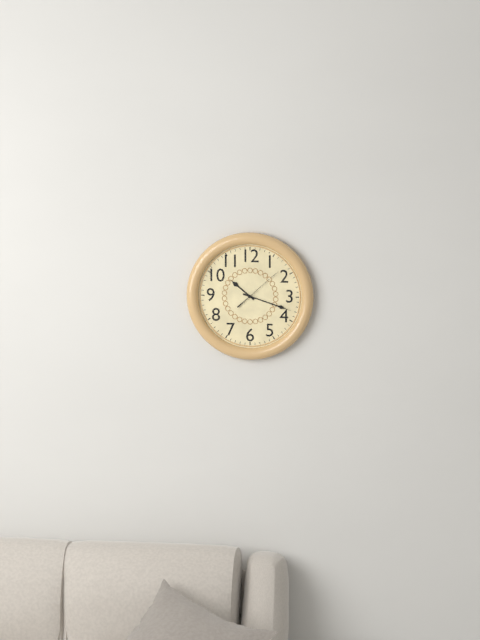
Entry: 10h18
